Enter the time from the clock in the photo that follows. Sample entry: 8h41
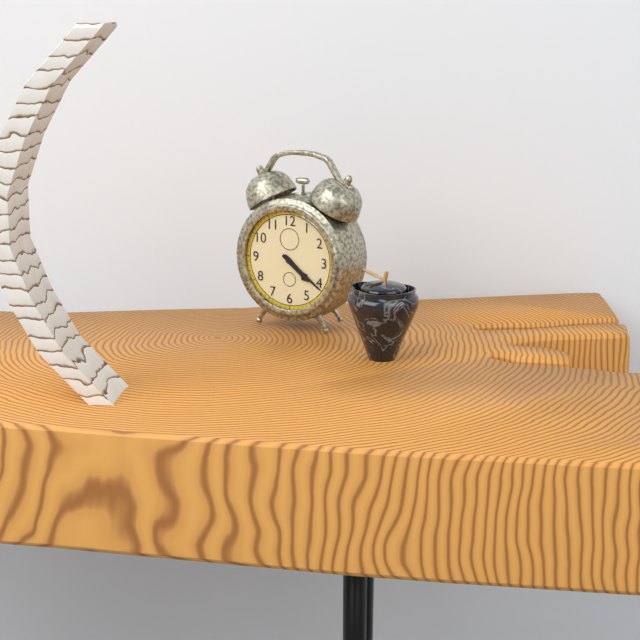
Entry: 4h21
